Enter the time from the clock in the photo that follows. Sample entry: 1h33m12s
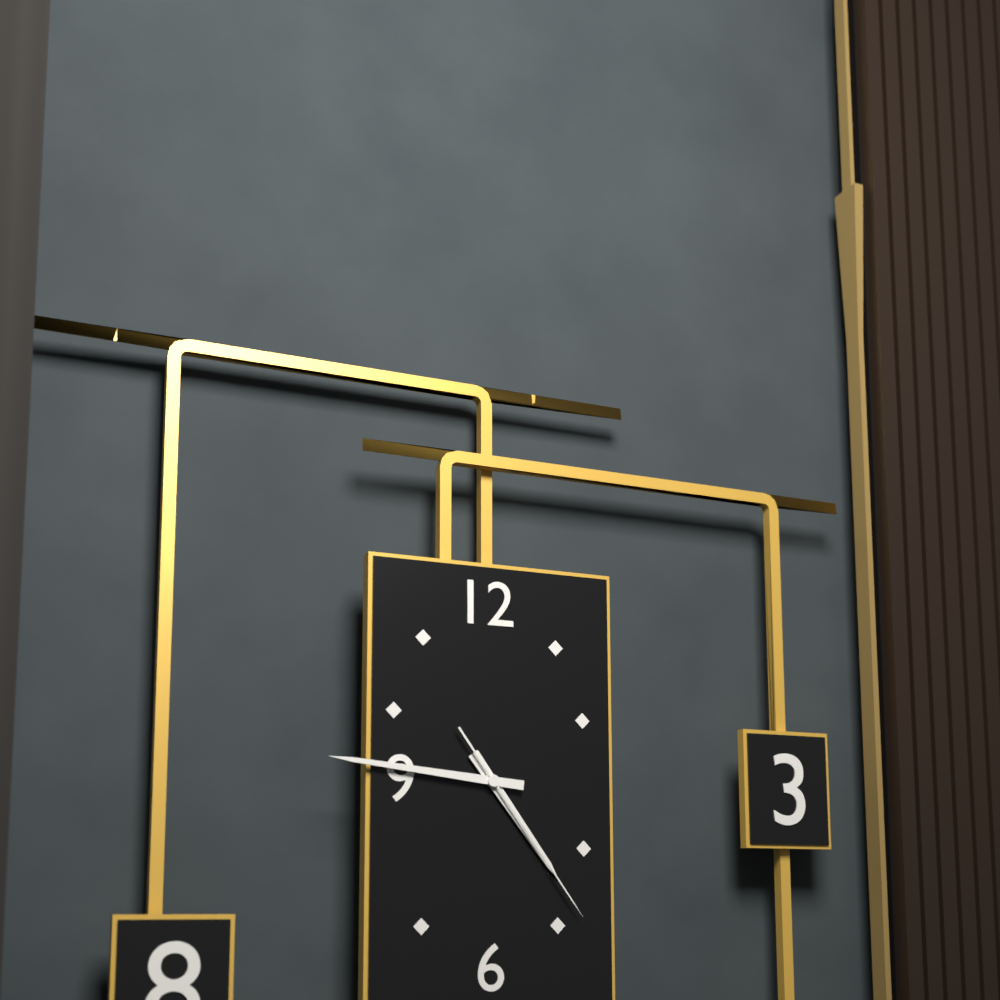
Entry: 4h46m24s
